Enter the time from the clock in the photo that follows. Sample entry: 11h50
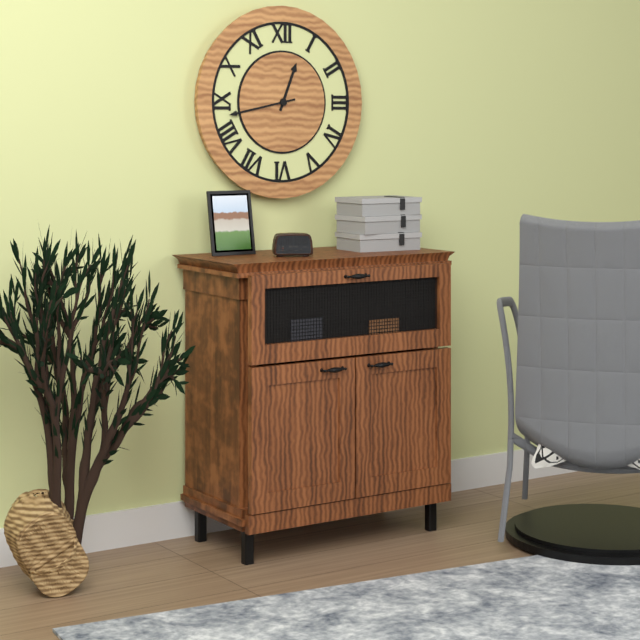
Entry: 12h43
